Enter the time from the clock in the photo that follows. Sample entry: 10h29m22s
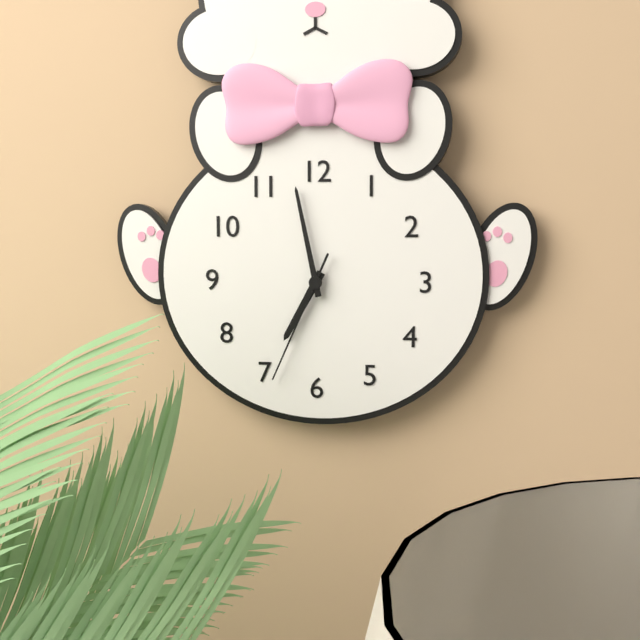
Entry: 6h58m34s
